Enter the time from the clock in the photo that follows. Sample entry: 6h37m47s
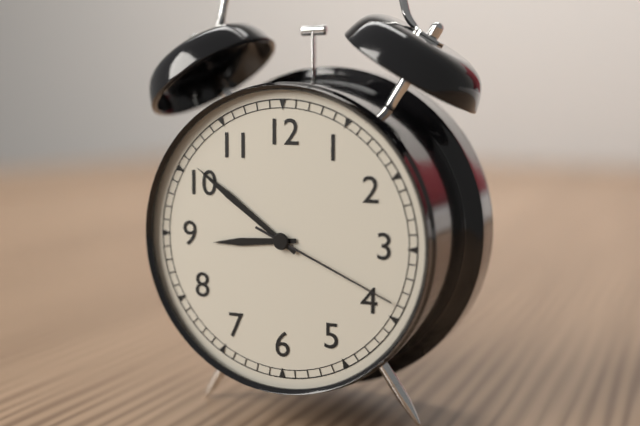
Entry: 8h51m19s
